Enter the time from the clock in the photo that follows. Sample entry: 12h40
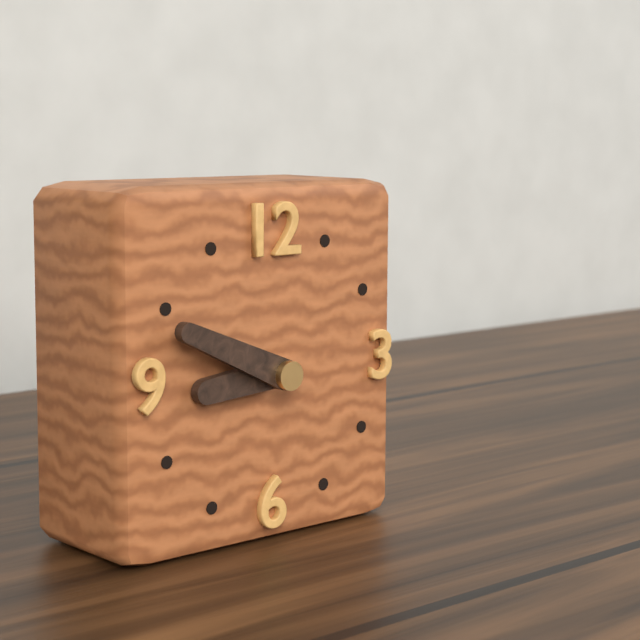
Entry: 8h49
